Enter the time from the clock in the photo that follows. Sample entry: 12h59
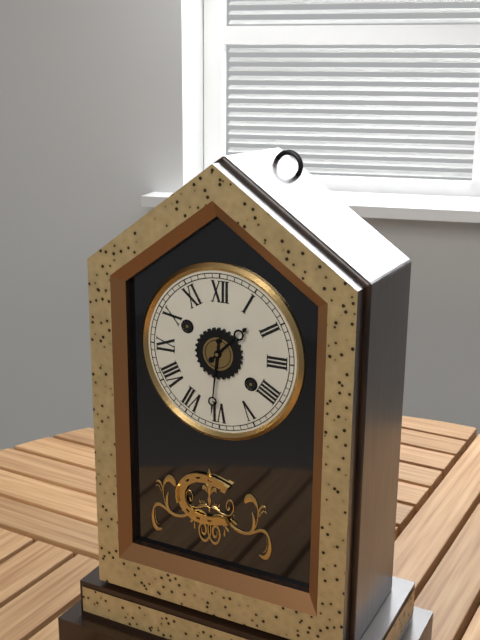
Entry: 1h31
